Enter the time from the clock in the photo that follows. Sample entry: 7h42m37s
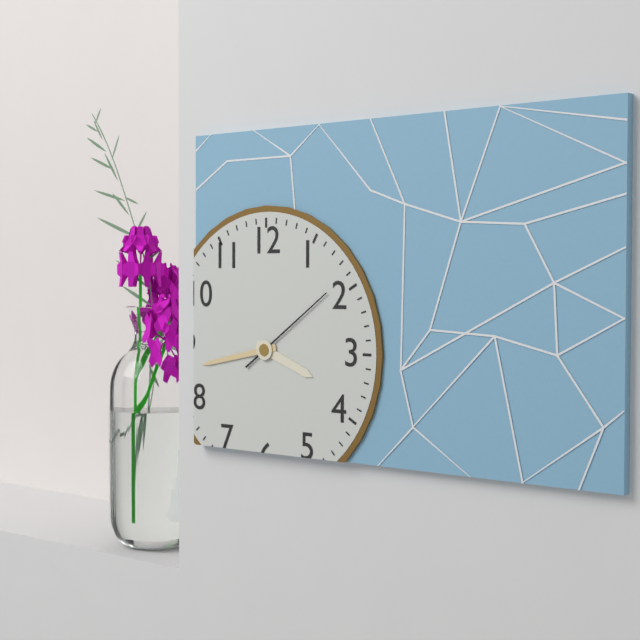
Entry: 3h43m09s
